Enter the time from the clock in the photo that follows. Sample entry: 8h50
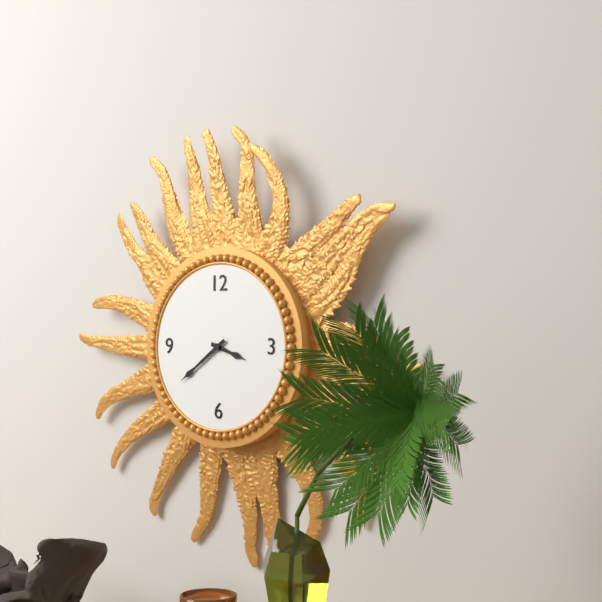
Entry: 3h39
